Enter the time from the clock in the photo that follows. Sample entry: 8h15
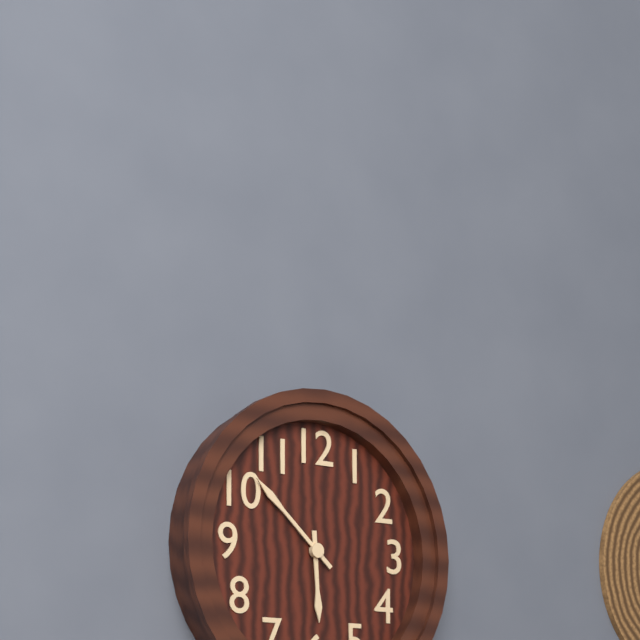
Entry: 5h52
